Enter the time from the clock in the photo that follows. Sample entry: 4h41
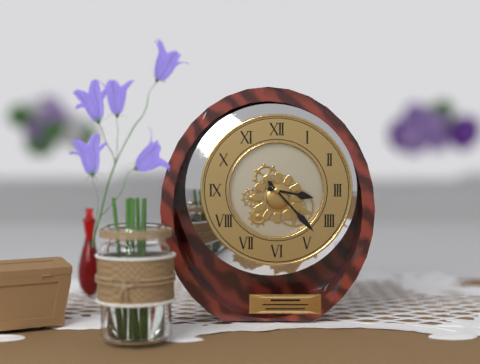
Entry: 3h23
